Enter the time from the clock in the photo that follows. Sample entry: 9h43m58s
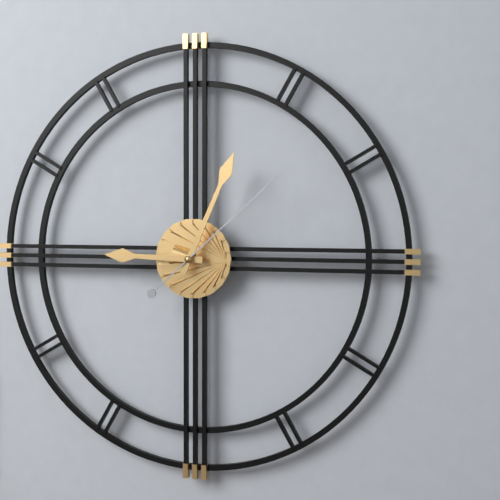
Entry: 9h04m08s
